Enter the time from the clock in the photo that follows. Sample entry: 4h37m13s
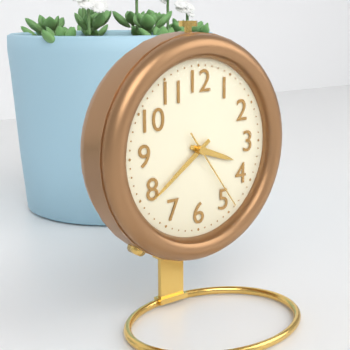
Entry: 3h39m24s
